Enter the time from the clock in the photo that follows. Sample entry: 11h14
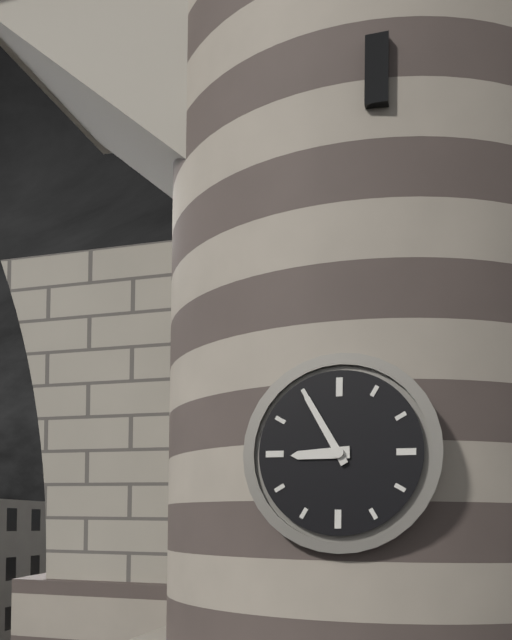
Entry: 8h55
